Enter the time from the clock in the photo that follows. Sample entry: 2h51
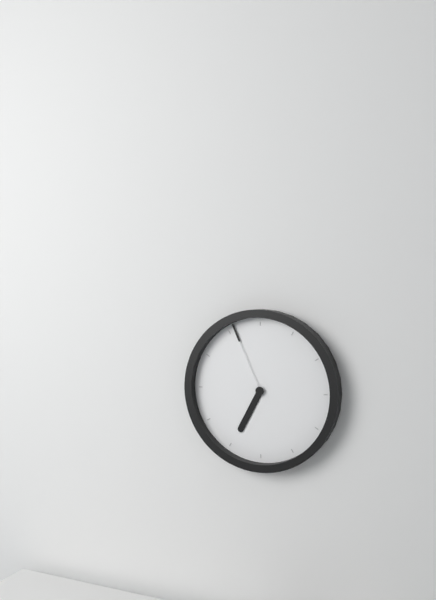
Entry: 6h56
